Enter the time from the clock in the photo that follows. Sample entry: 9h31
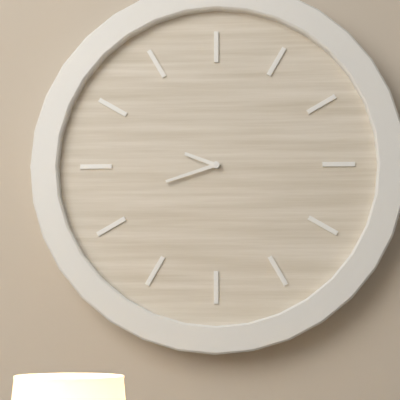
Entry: 9h42
